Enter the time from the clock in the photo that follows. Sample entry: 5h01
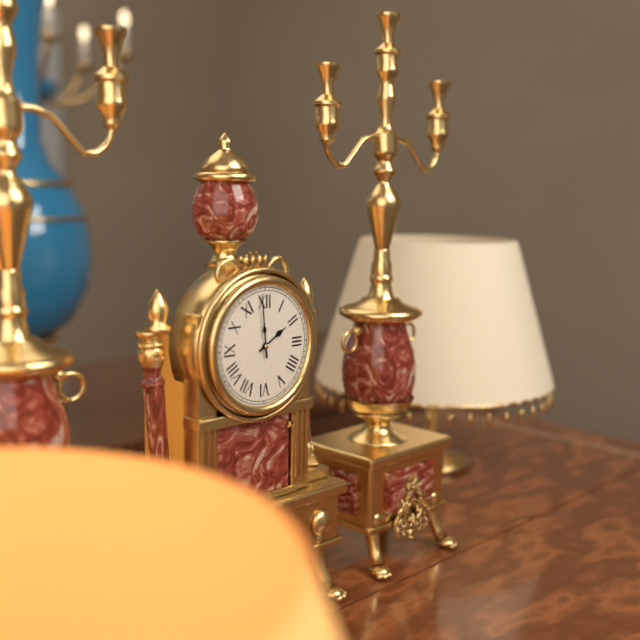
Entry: 1h59
